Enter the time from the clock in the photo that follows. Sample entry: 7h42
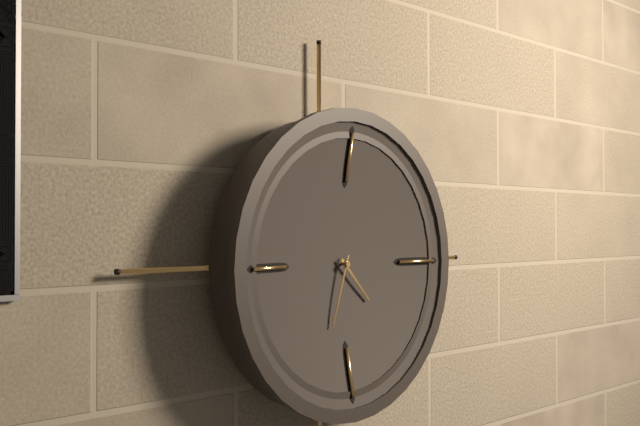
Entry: 4h33
